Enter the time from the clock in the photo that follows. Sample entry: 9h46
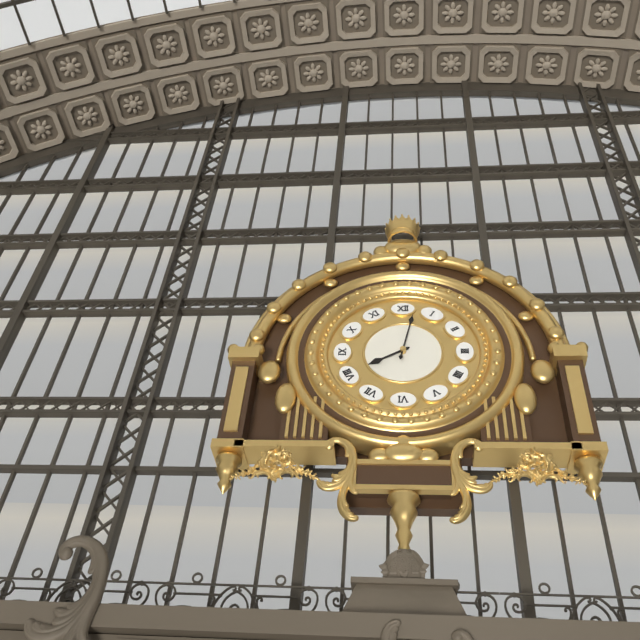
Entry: 8h02
